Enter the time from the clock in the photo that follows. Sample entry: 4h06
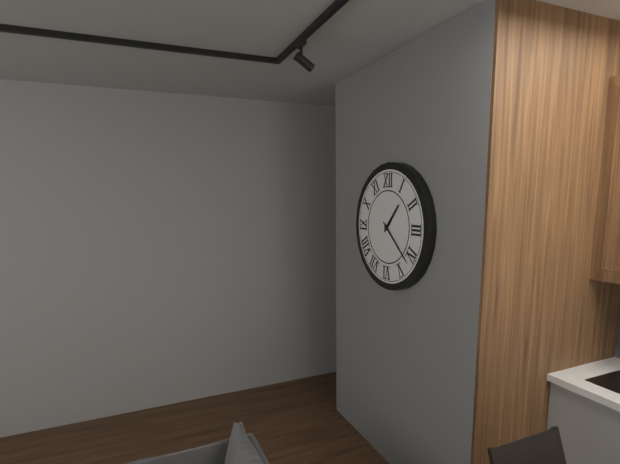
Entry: 1h22
